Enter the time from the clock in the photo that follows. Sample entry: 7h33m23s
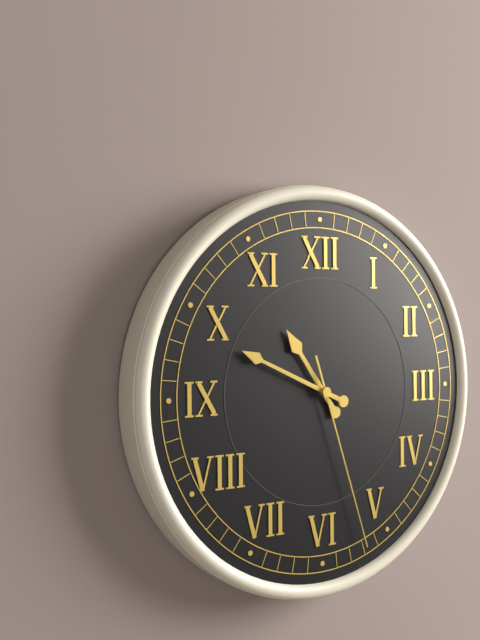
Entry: 10h49m27s
